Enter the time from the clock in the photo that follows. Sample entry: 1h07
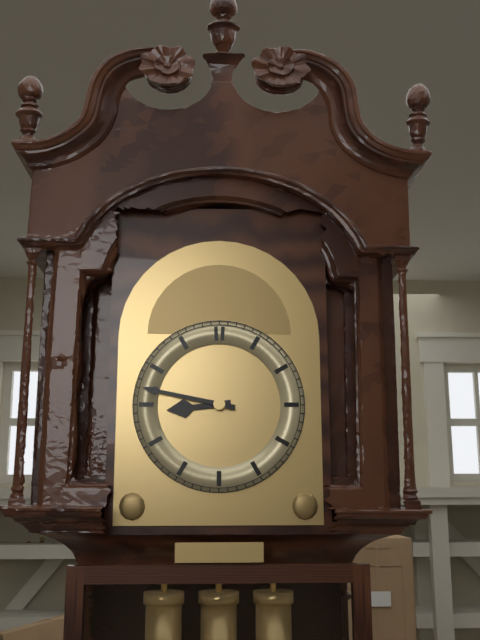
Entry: 8h47
